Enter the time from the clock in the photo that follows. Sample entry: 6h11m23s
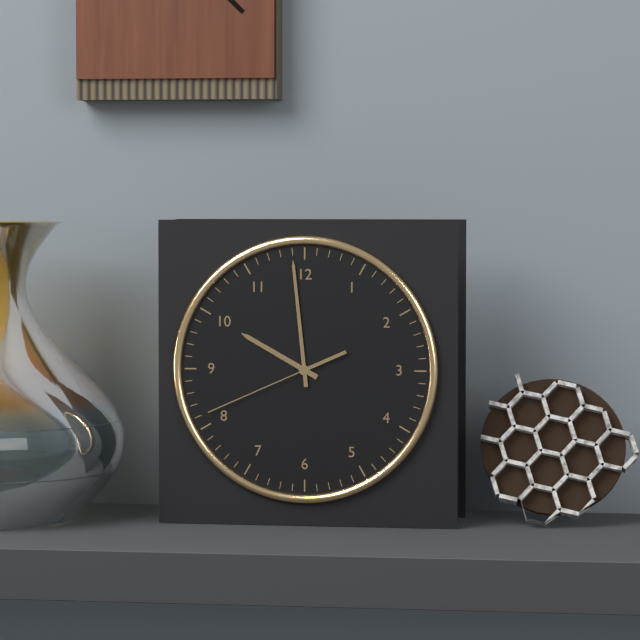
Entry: 9h59m41s
